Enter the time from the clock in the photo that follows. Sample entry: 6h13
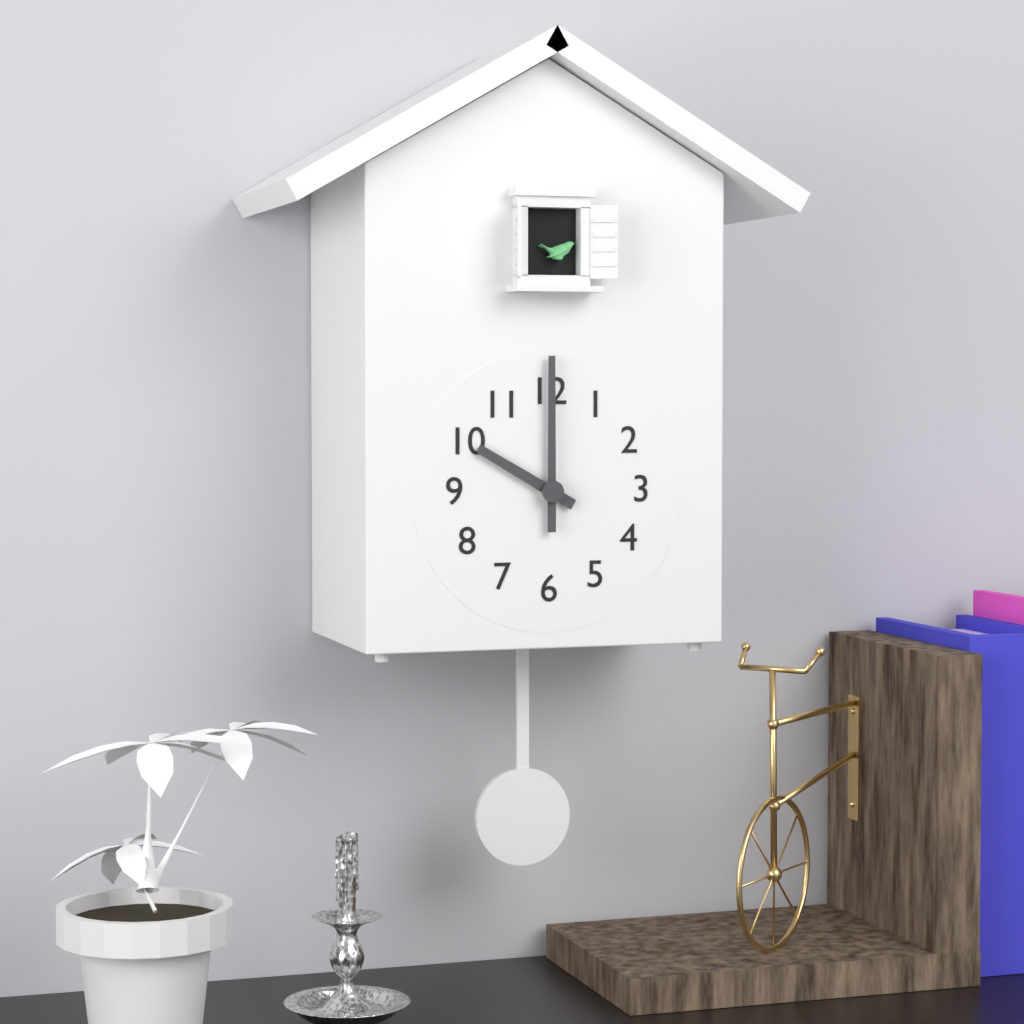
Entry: 10h00
